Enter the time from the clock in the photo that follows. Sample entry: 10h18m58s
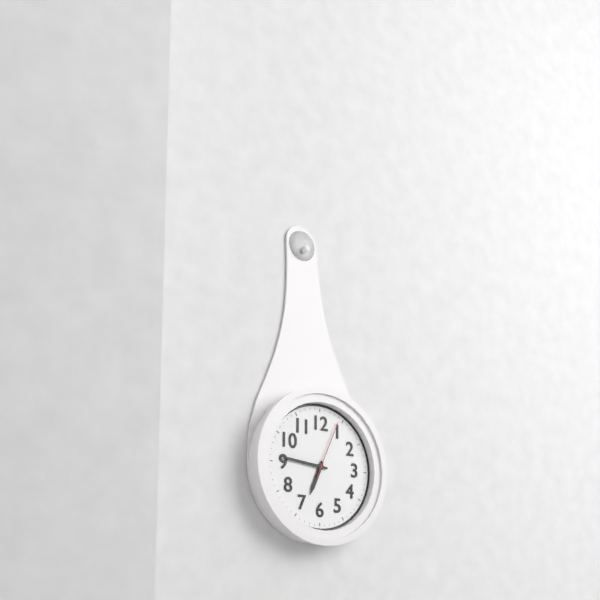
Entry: 6h46m04s
